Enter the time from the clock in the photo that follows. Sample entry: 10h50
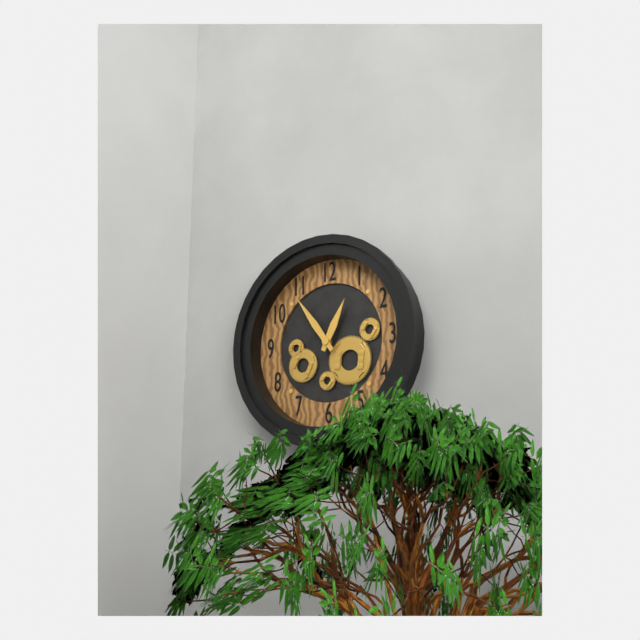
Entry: 12h54
